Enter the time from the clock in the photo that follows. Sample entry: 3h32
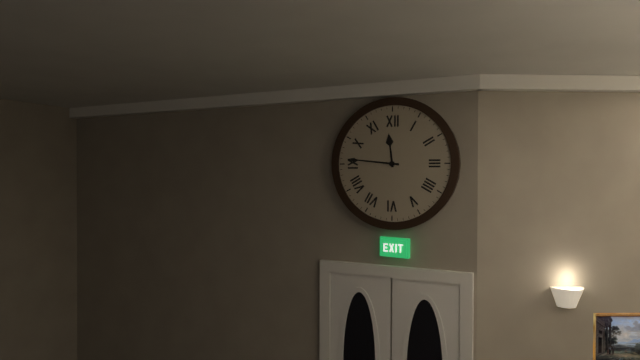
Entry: 11h46
